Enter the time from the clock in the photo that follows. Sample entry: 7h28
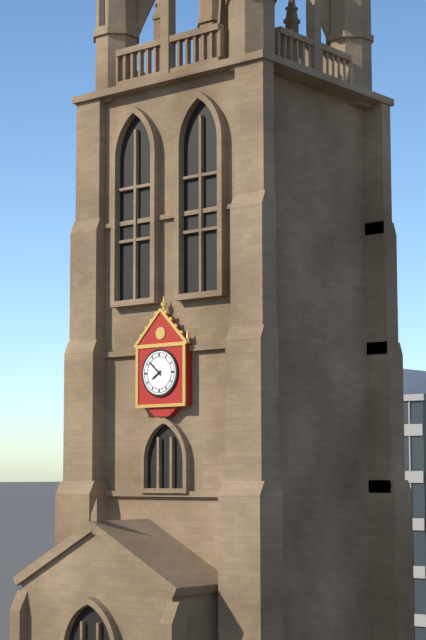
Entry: 7h52
